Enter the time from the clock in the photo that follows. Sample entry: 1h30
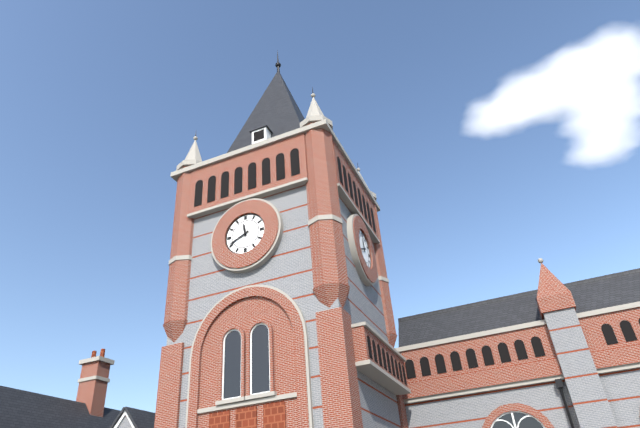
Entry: 11h41
